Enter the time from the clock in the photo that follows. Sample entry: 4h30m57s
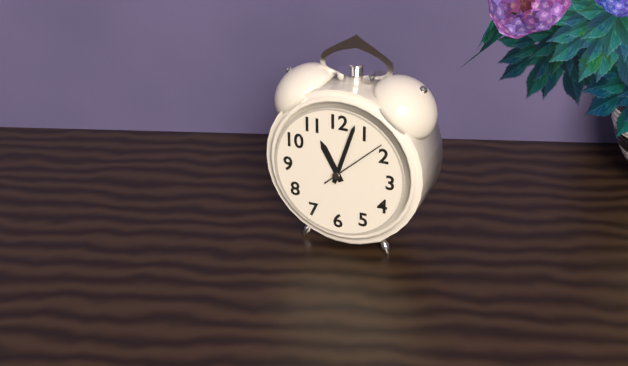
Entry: 11h03m08s
